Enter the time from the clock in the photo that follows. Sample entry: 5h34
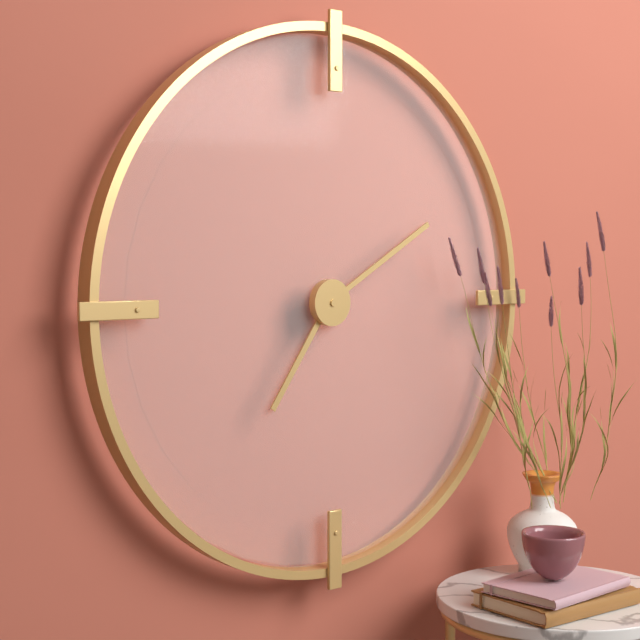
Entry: 7h10
